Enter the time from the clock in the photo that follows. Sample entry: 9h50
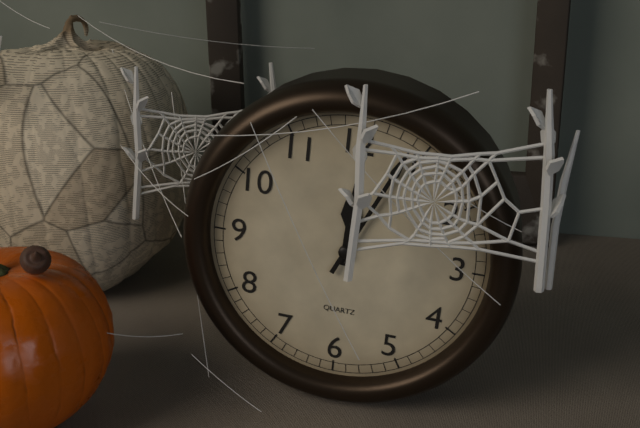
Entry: 12h04
